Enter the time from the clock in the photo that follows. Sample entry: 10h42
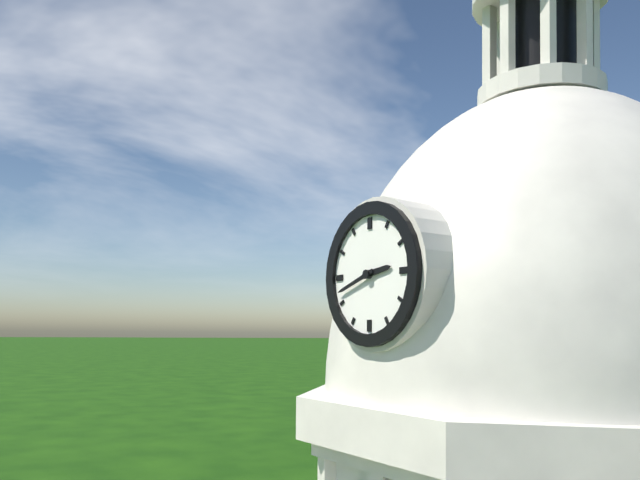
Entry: 2h42
